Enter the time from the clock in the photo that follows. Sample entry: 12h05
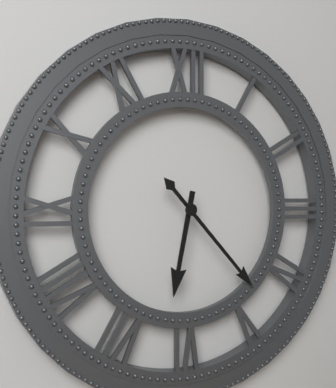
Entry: 6h23
